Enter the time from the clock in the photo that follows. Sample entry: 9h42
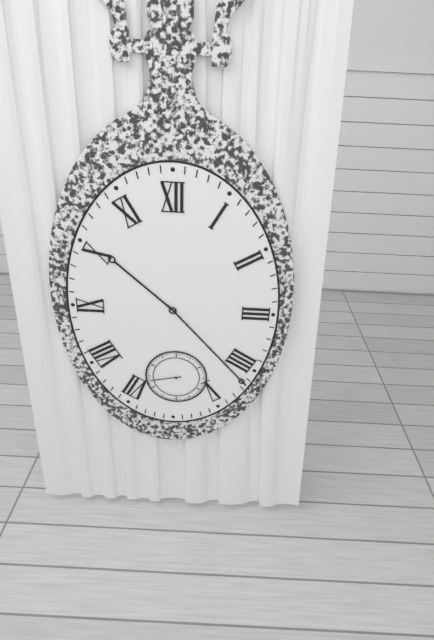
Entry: 10h23
